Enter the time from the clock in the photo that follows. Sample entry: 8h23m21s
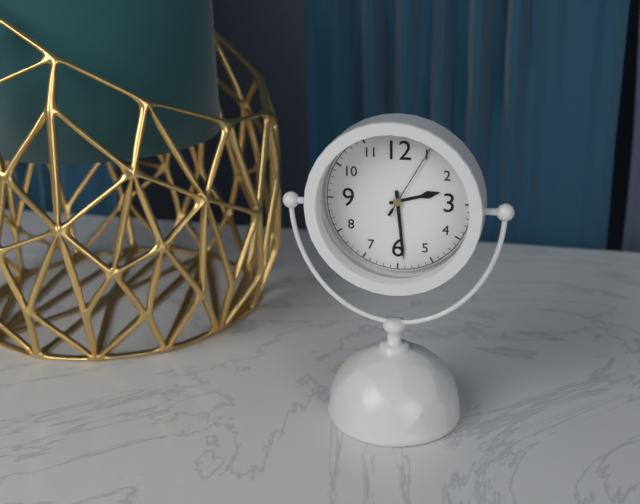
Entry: 2h29m05s
